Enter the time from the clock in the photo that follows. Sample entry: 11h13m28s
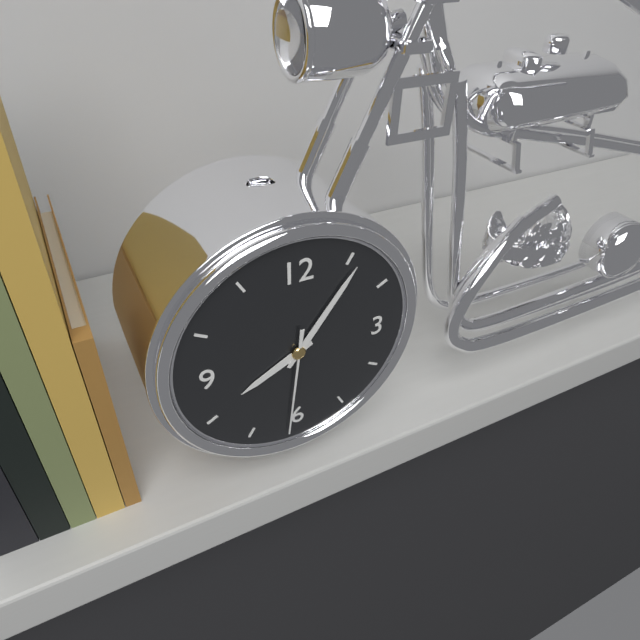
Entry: 8h06m31s
